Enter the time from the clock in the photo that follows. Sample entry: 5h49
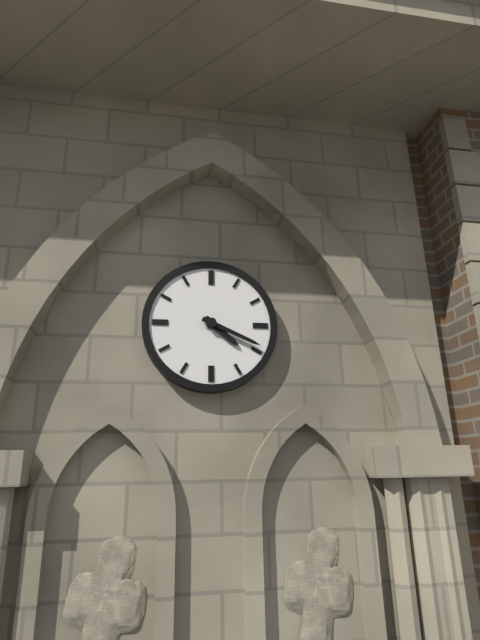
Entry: 4h19
